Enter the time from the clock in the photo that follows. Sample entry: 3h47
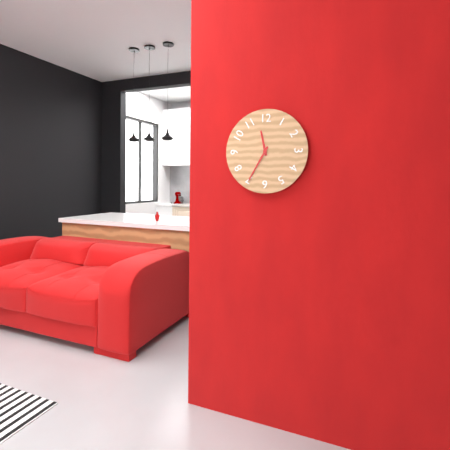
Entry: 11h35
